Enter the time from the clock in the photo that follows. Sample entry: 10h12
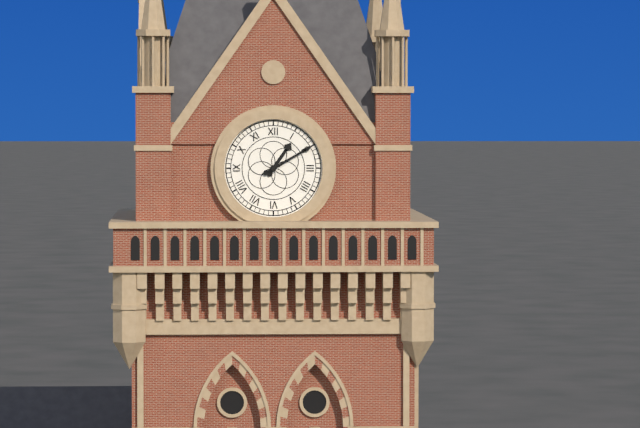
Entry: 1h10
